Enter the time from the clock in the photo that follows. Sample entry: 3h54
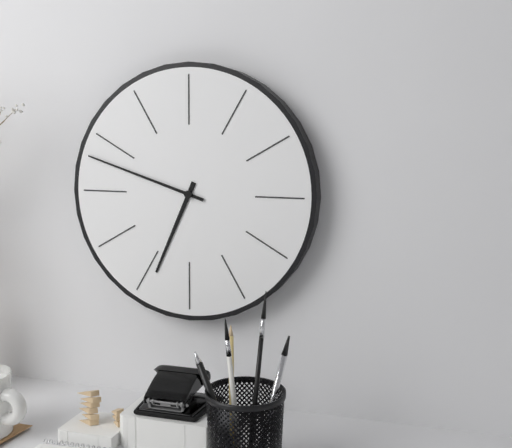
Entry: 6h48
